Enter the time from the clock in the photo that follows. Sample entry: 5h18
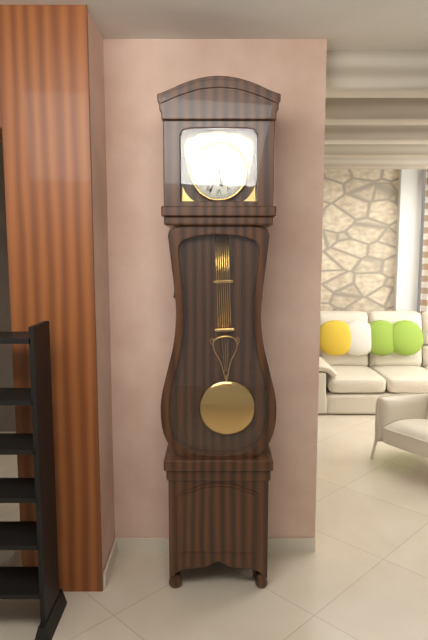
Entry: 5h34
